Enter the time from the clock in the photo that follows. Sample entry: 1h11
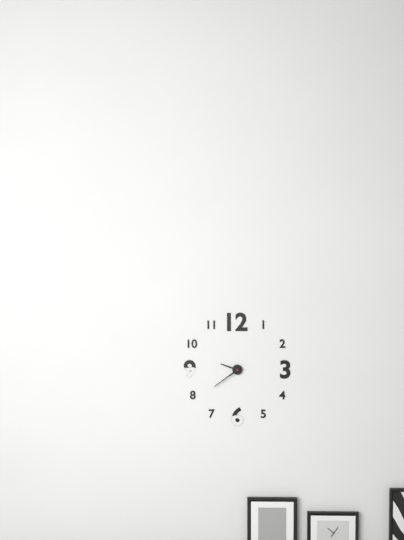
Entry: 9h39
